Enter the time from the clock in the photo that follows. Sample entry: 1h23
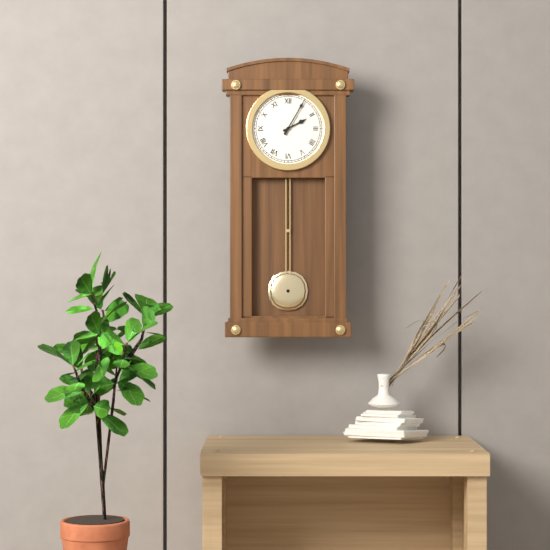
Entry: 2h05
